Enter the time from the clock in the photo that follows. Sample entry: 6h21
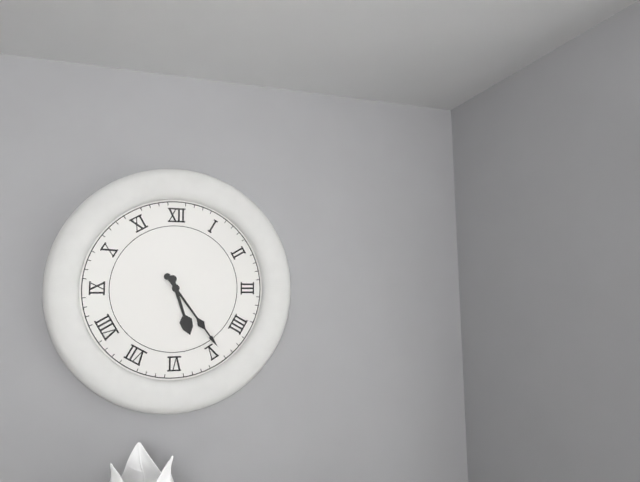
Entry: 5h24
